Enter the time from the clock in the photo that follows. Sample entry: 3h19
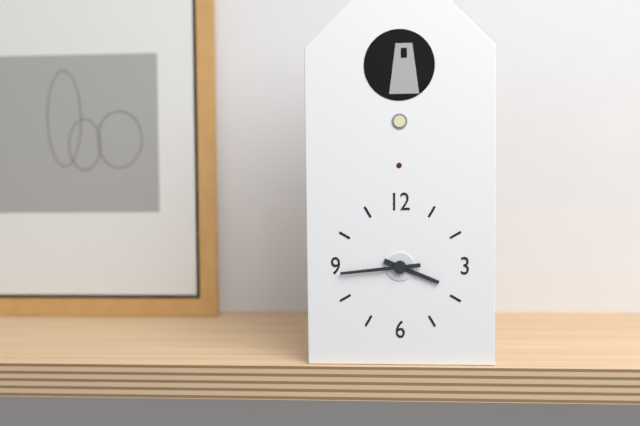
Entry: 3h44
